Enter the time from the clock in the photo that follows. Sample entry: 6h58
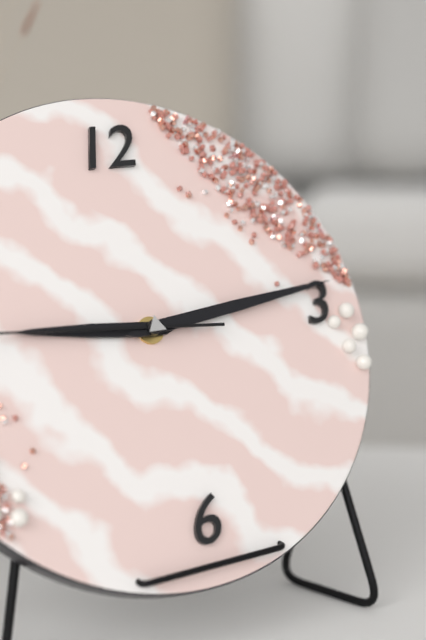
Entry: 9h14
